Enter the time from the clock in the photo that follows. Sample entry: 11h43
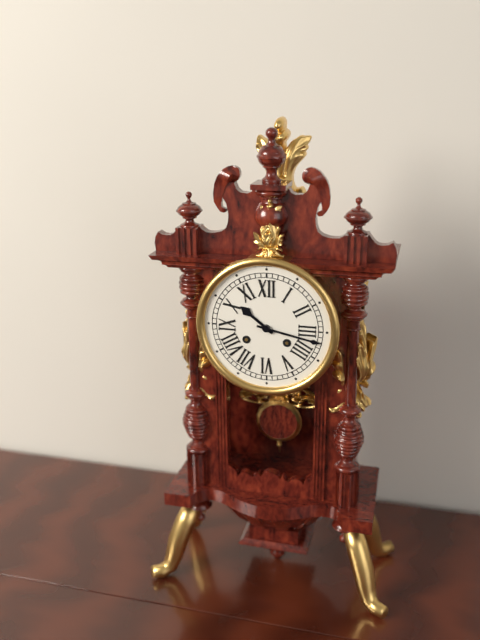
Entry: 10h17
